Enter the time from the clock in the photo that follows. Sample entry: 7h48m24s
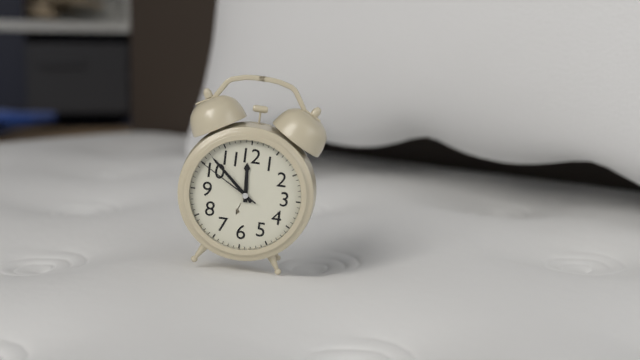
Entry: 11h52m50s
